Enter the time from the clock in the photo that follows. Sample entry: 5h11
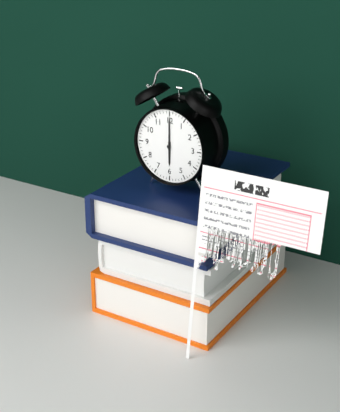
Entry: 6h00
